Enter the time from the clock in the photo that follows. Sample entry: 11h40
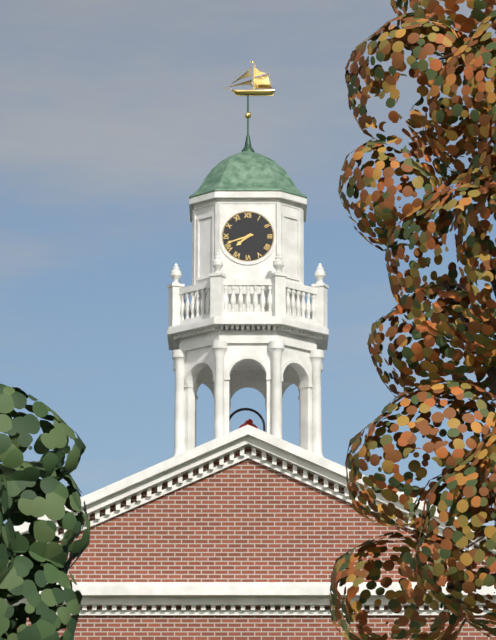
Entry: 7h42
